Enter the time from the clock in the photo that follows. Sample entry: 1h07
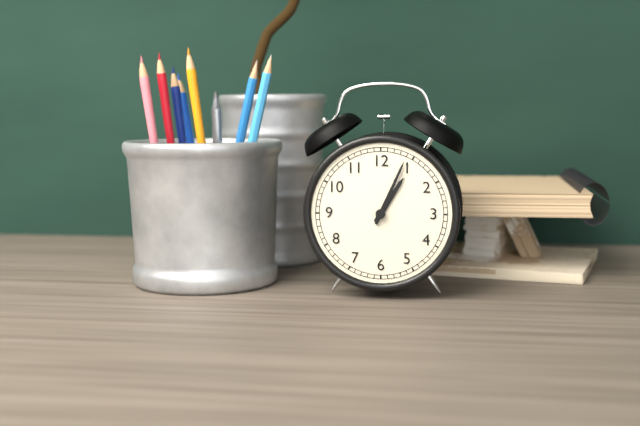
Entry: 1h04
